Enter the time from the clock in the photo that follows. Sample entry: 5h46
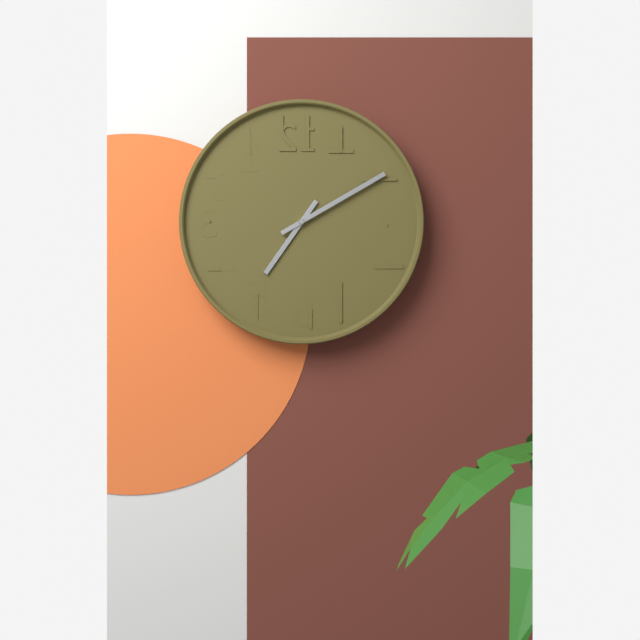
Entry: 7h10
